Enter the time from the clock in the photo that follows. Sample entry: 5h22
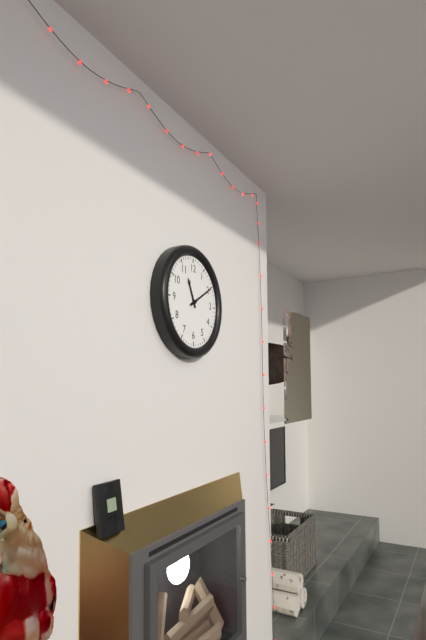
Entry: 11h10
